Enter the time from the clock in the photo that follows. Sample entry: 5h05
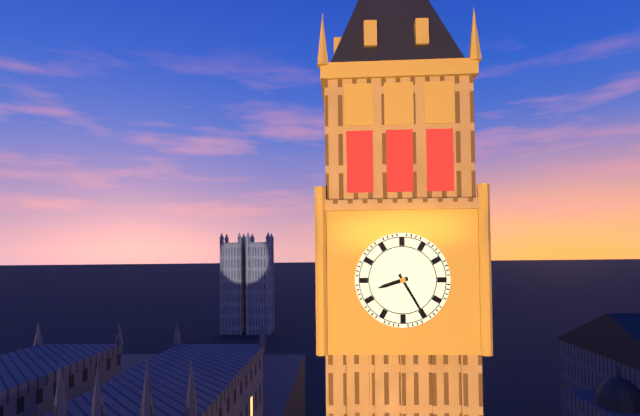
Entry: 8h25
